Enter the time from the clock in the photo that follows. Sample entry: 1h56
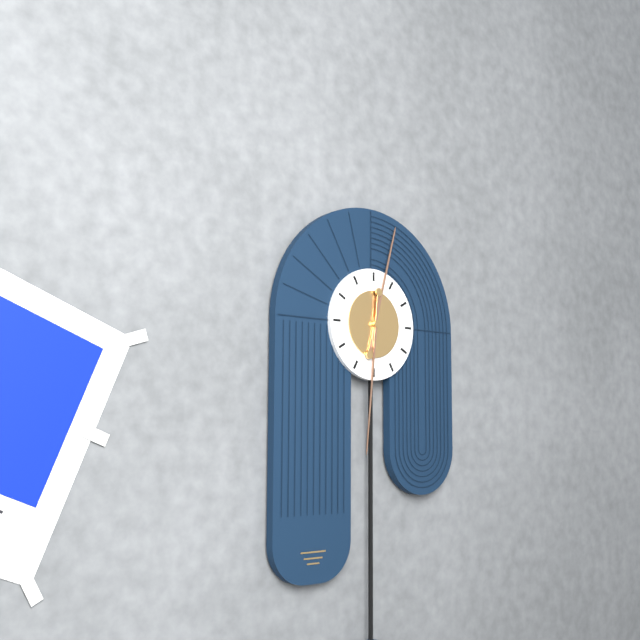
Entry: 12h31
